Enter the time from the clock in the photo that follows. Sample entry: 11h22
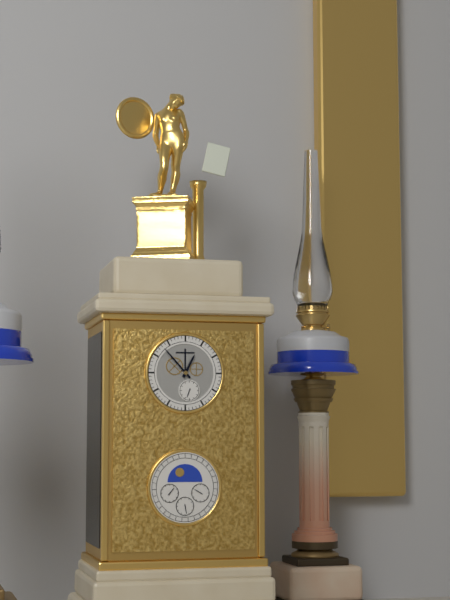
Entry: 12h53
